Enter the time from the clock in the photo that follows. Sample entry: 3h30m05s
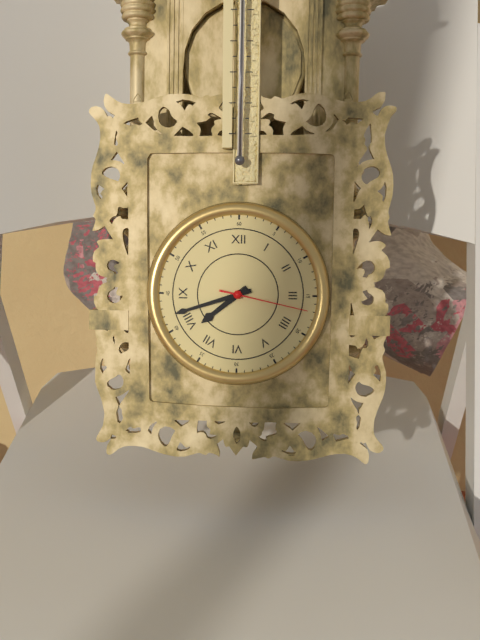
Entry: 7h42m17s
